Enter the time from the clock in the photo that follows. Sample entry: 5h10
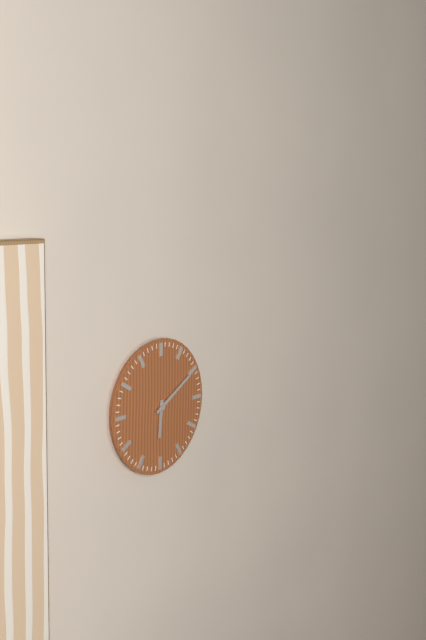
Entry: 6h10
